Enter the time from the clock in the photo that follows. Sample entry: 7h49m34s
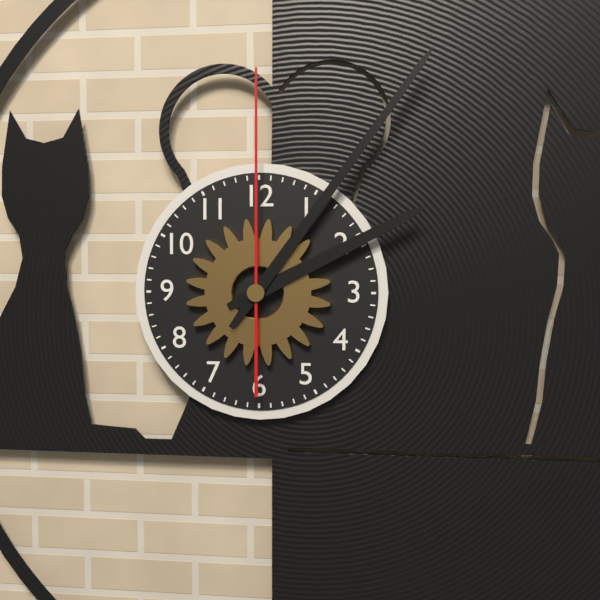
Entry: 2h06m00s
